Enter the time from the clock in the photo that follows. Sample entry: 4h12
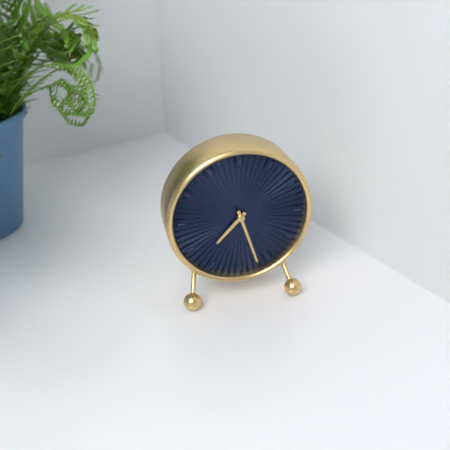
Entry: 7h27
